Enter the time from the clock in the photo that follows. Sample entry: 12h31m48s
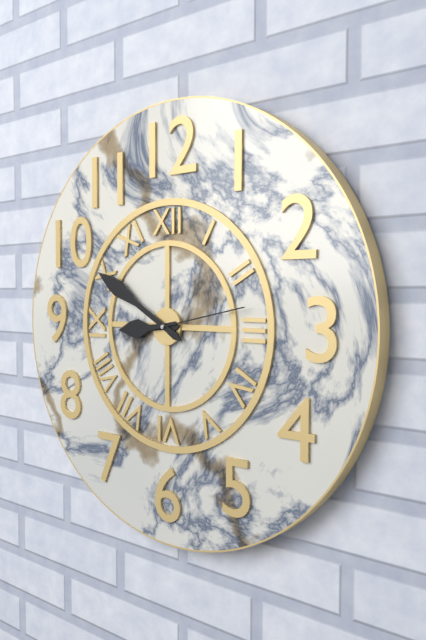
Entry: 8h50m13s
